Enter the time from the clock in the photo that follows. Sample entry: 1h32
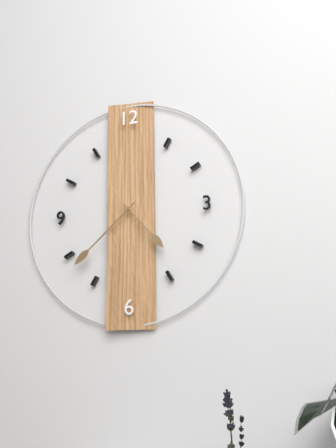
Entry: 4h38
